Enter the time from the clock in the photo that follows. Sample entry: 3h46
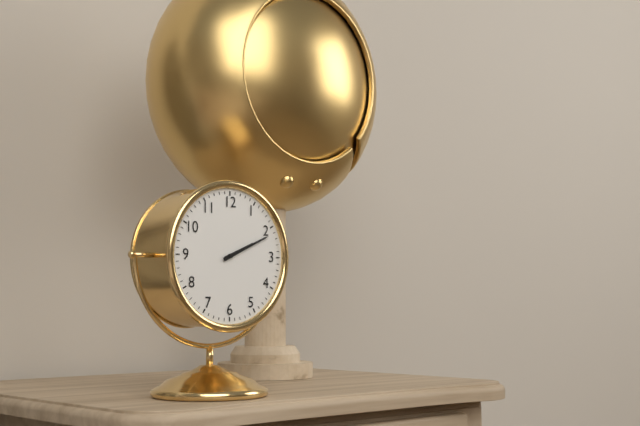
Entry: 2h11
